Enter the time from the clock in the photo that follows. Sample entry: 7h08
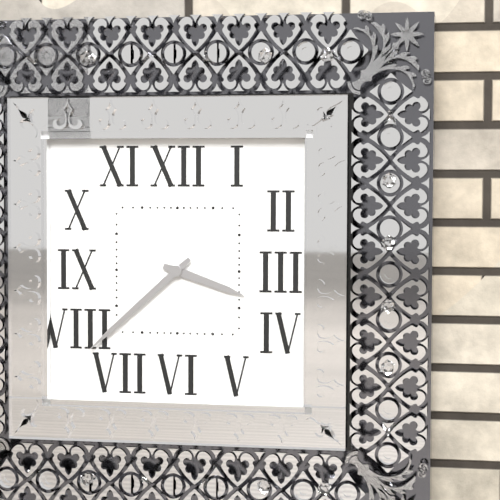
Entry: 3h38
